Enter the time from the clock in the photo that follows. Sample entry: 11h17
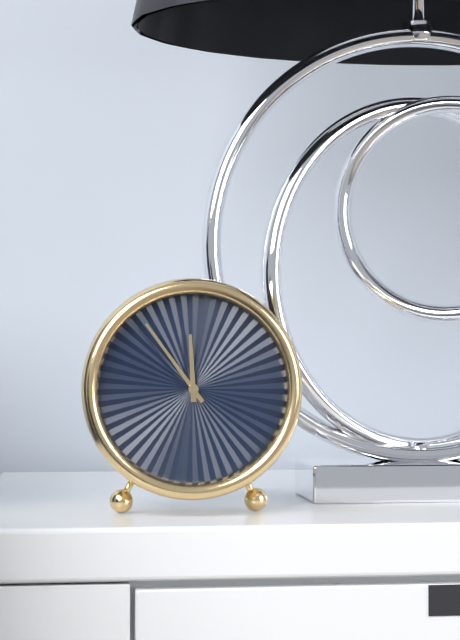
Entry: 11h54
